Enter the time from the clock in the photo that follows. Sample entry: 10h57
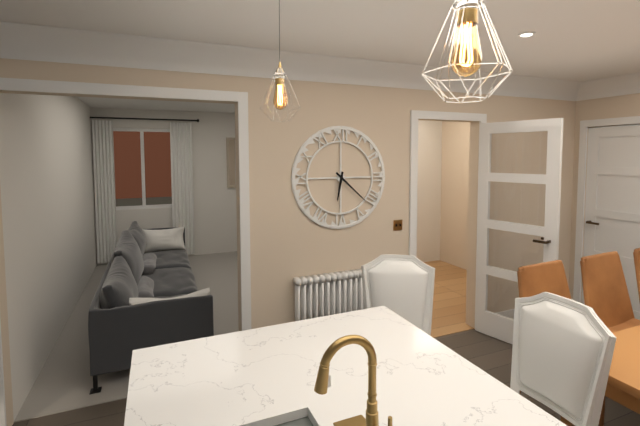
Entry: 6h22
